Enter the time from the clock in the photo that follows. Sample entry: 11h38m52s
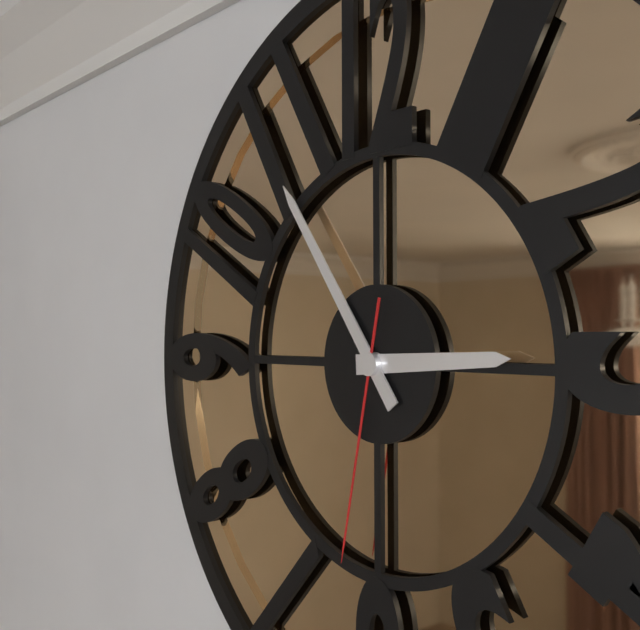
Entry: 2h54m32s
